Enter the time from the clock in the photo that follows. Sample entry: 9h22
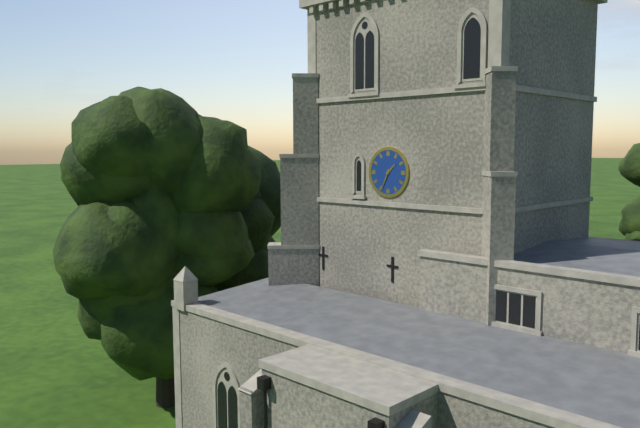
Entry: 1h34
